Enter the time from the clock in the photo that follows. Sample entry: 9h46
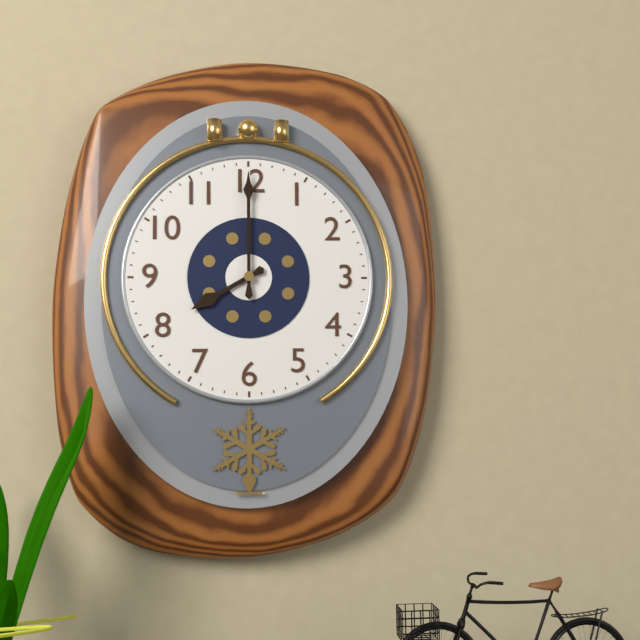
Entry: 8h00
